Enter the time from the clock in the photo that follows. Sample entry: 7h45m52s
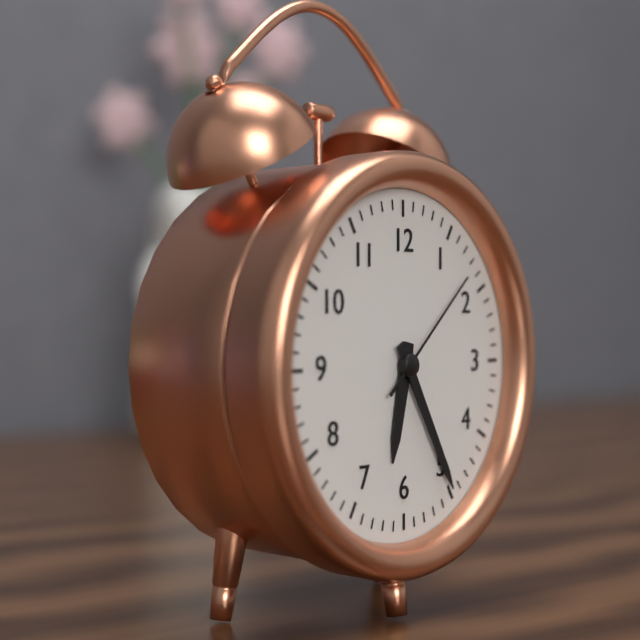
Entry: 6h25m08s
